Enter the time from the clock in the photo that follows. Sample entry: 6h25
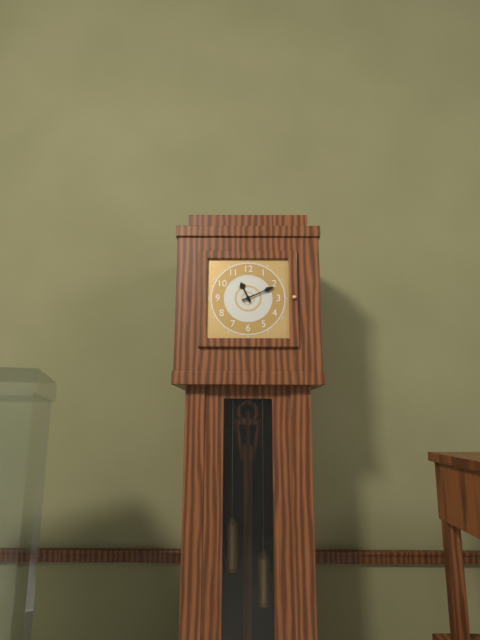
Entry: 11h11
